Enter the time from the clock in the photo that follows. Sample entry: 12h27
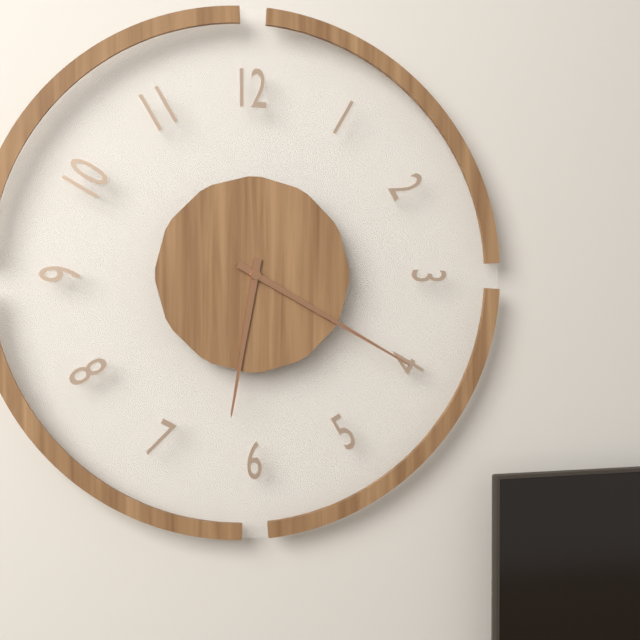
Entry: 6h20
